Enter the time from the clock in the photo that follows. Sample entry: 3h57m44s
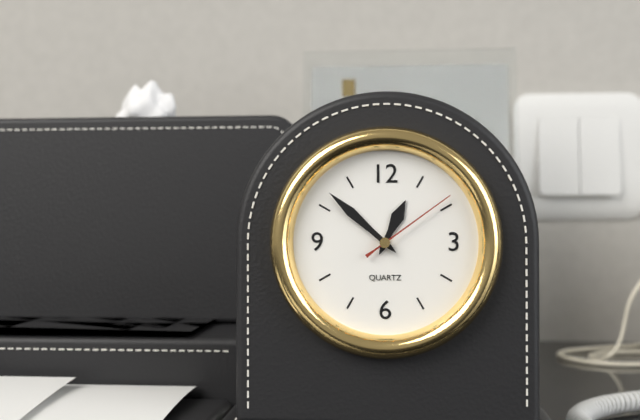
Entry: 12h52m09s
